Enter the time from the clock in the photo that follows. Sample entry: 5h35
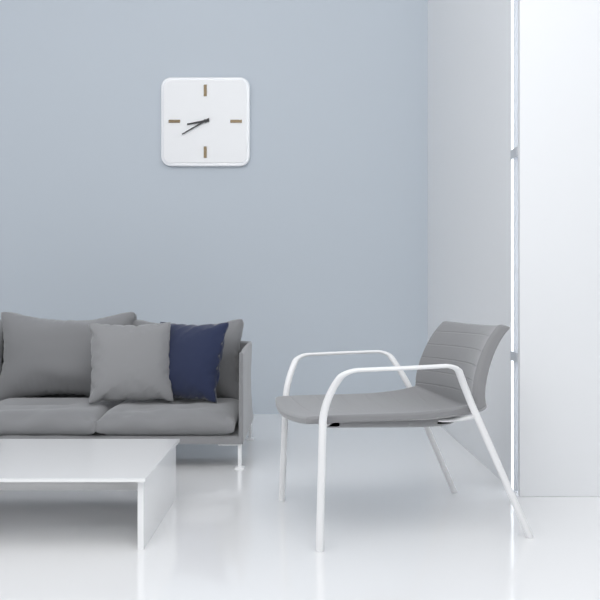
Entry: 8h40
